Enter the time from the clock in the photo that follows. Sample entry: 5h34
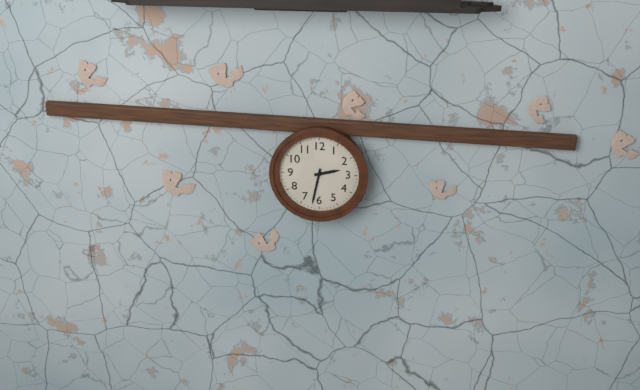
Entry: 2h32
